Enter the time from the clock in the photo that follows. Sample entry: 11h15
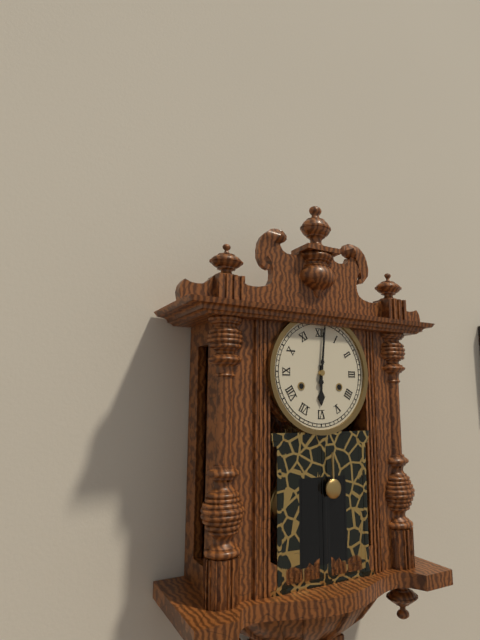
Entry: 6h01
